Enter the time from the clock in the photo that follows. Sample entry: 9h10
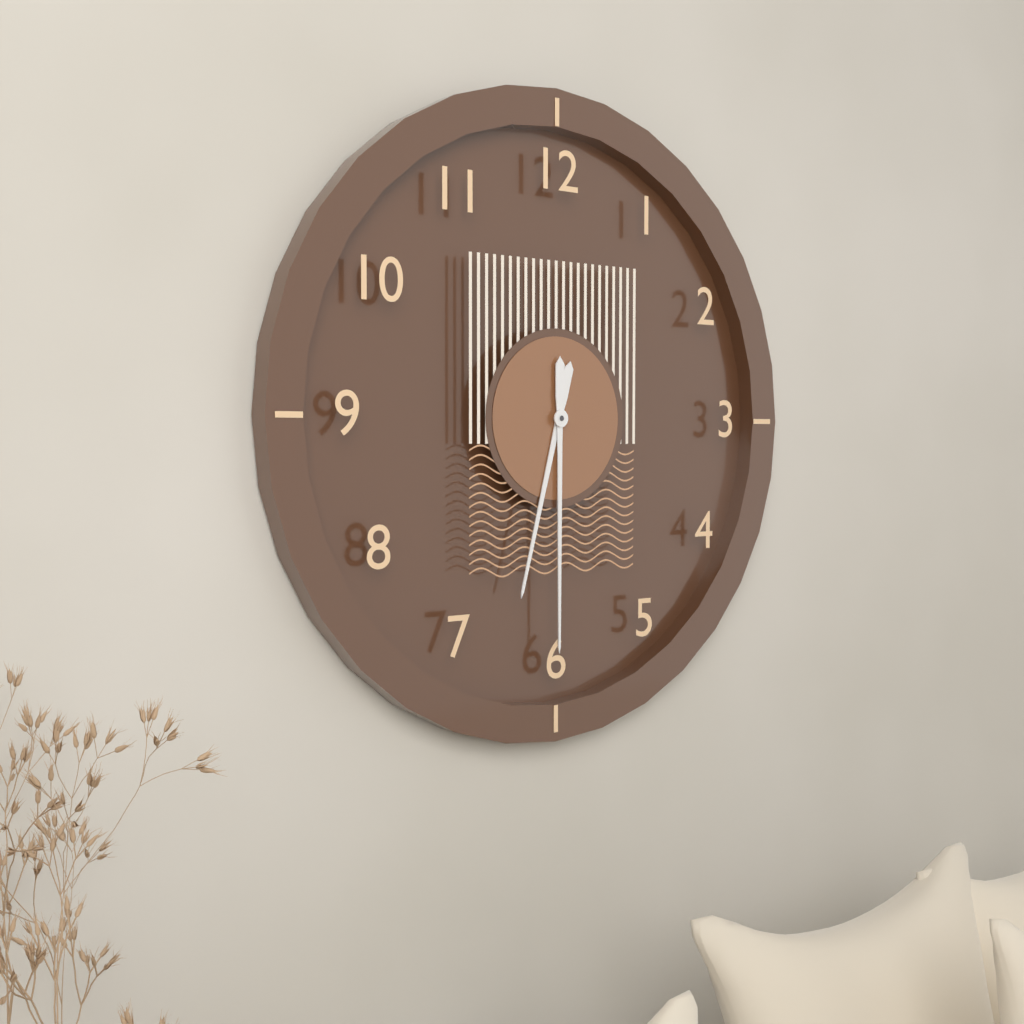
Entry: 6h30
